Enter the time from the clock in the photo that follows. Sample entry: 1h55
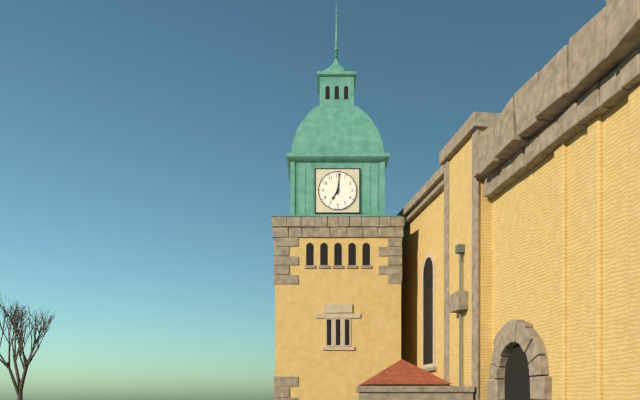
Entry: 7h01
